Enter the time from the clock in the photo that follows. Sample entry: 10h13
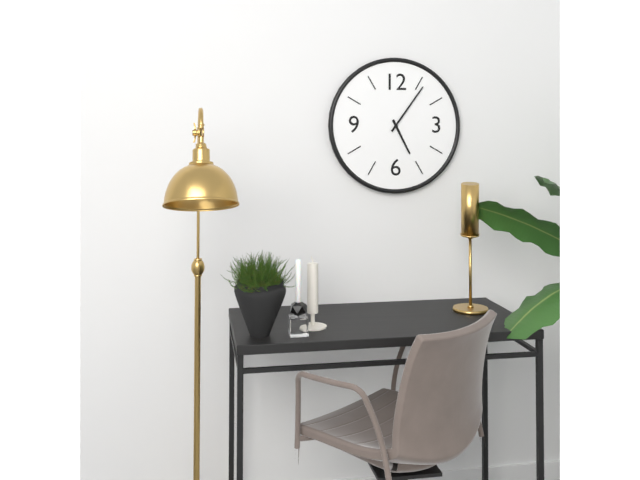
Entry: 5h06
